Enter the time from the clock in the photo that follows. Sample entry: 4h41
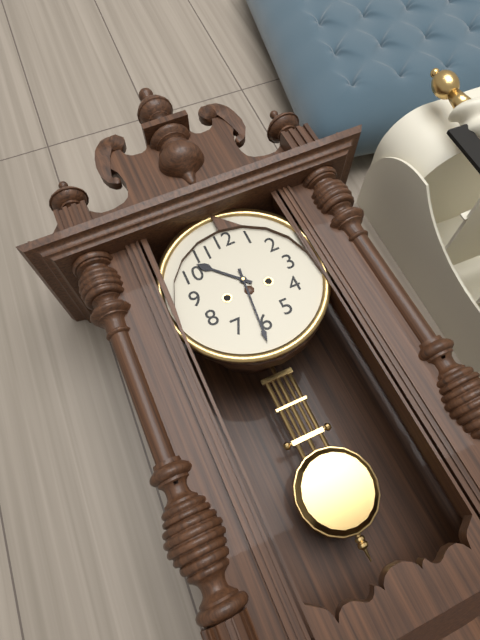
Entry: 10h31
